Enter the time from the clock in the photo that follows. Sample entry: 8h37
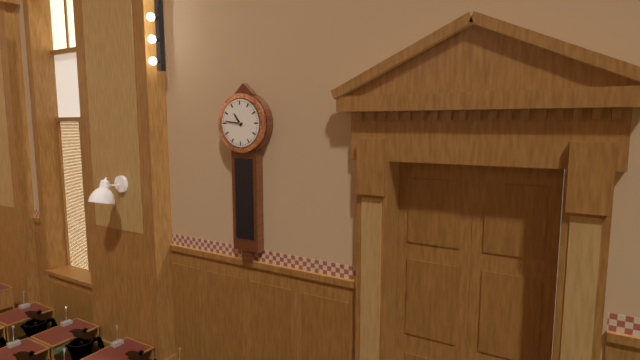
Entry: 10h46
